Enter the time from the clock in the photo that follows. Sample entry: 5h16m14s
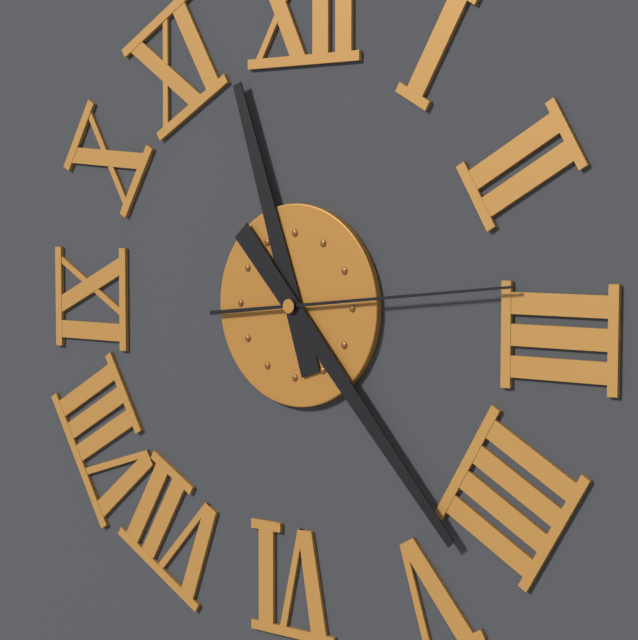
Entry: 11h23m14s
